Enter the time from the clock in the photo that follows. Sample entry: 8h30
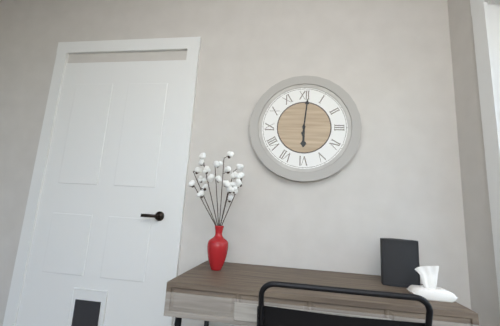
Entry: 6h01
